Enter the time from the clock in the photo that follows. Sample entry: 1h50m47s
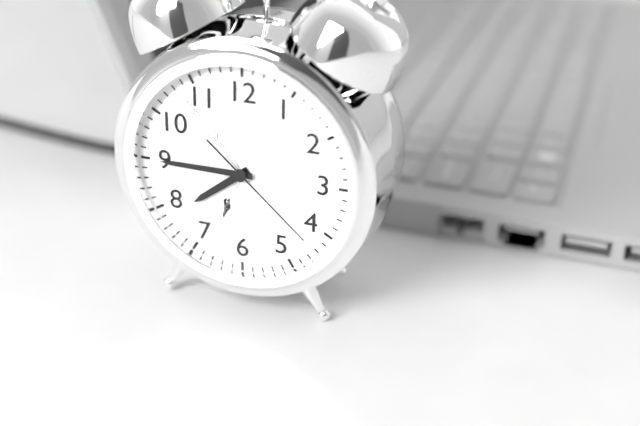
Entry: 7h45m22s
